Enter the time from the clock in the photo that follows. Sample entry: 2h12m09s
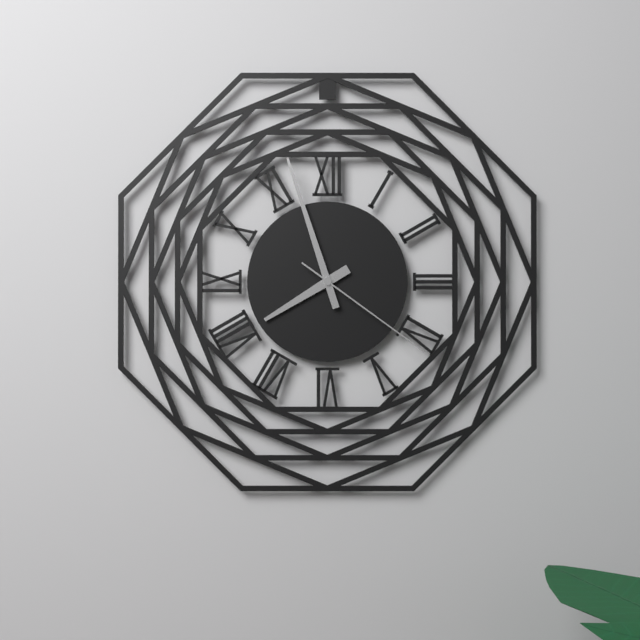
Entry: 7h57m21s
